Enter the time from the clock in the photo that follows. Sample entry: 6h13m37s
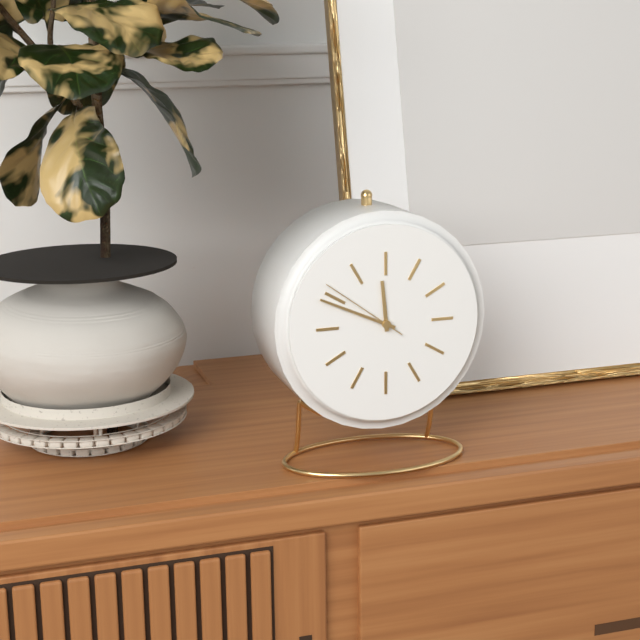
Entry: 11h49m51s
